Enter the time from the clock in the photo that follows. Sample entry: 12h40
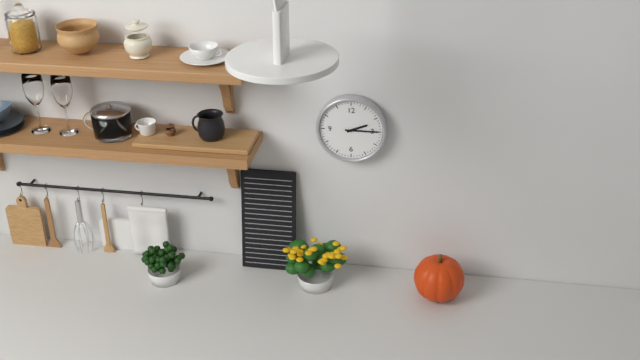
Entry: 2h15
